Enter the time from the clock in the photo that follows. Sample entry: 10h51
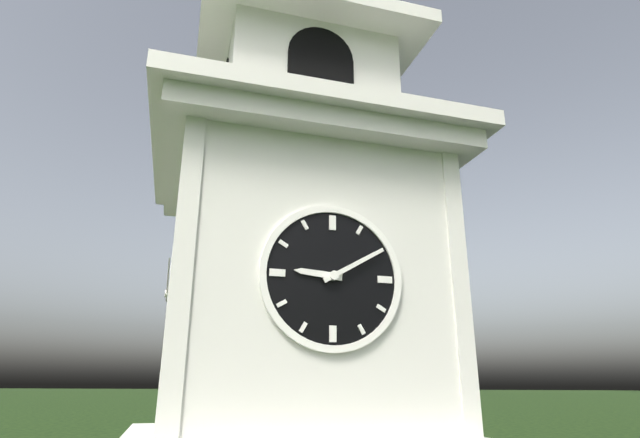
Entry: 9h10
